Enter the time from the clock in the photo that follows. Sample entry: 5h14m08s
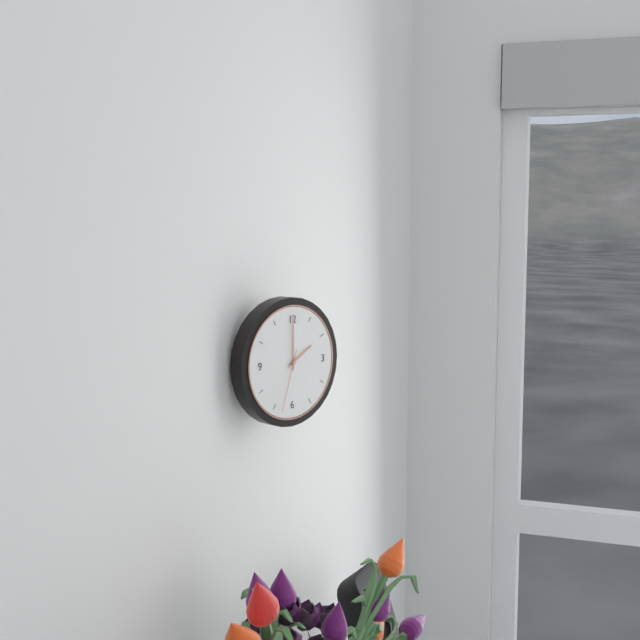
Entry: 2h00m33s
